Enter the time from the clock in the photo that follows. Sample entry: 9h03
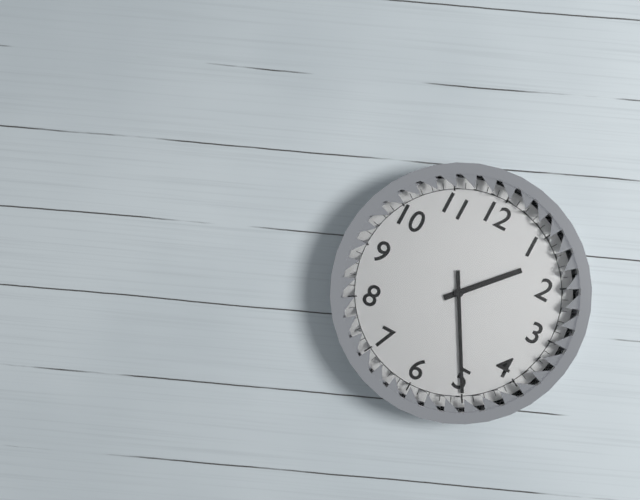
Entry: 1h25
